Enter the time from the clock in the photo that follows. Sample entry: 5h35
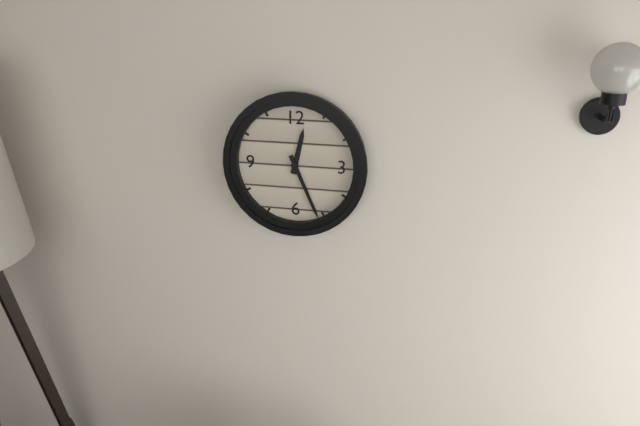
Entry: 12h26
